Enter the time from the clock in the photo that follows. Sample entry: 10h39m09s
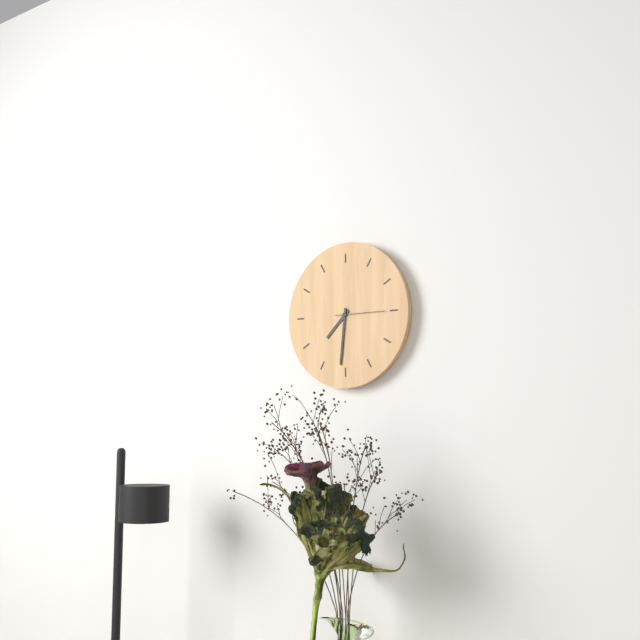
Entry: 7h31m15s
